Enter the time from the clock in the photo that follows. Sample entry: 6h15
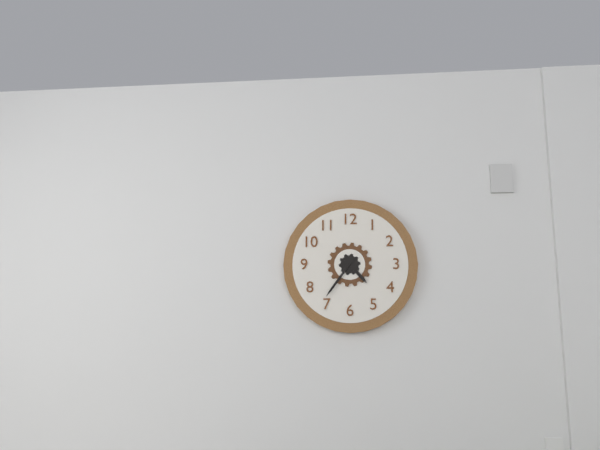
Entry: 4h36
